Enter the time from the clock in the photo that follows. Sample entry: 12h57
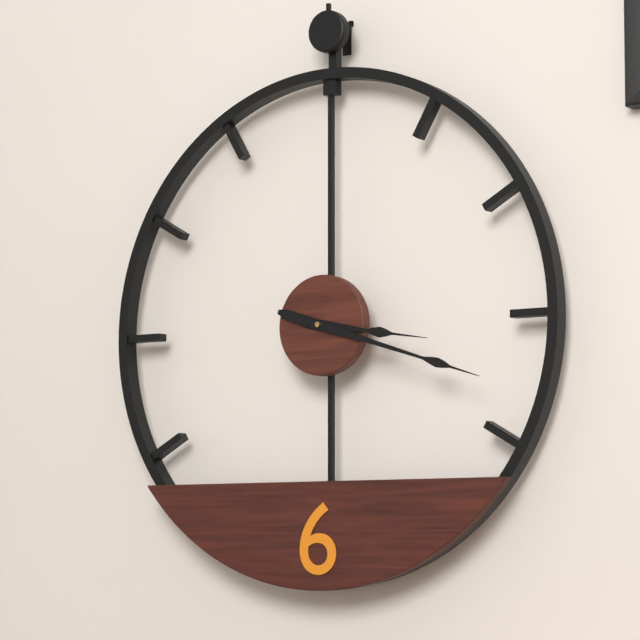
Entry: 3h18
